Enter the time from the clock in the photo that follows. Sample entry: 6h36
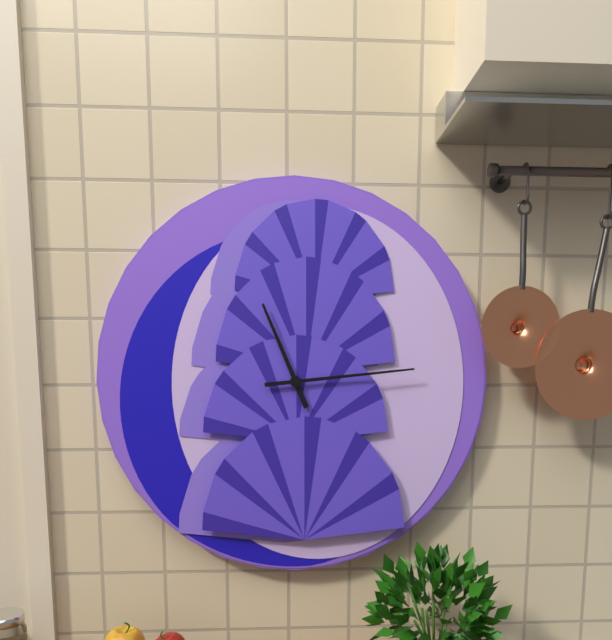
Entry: 11h14
